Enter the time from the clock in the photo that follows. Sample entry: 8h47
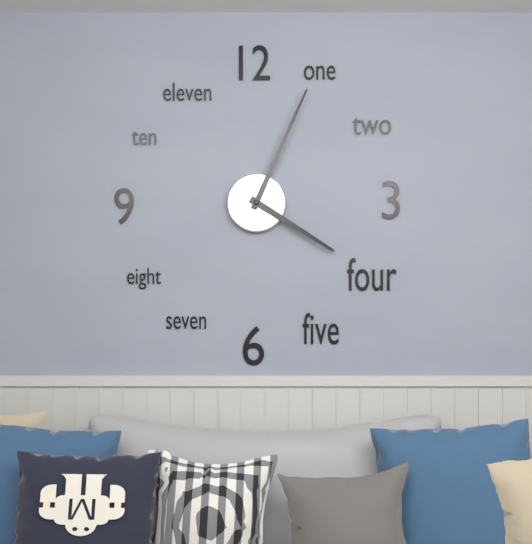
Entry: 4h04
